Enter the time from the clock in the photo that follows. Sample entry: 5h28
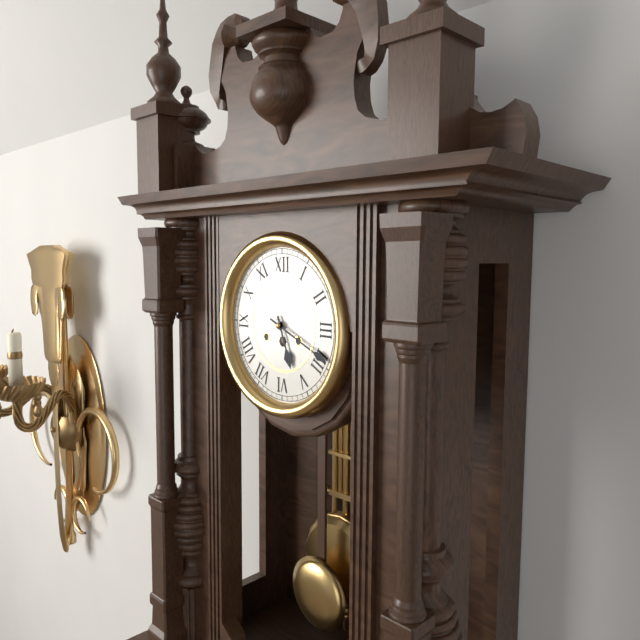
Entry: 5h19
